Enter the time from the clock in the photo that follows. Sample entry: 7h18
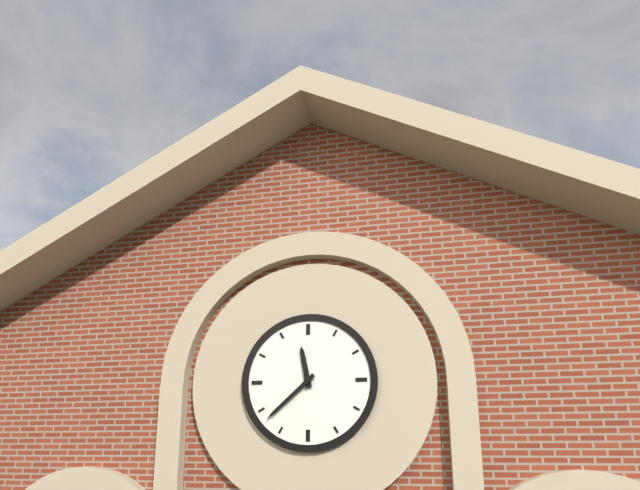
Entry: 11h38
